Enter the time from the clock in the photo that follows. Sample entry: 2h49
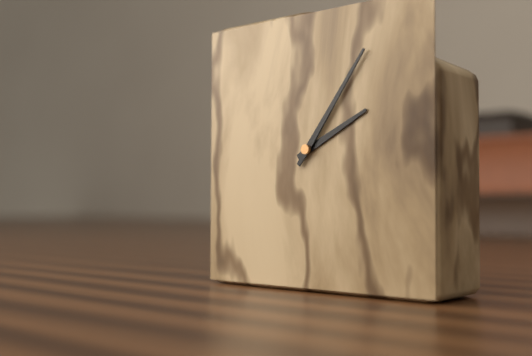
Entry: 2h06
